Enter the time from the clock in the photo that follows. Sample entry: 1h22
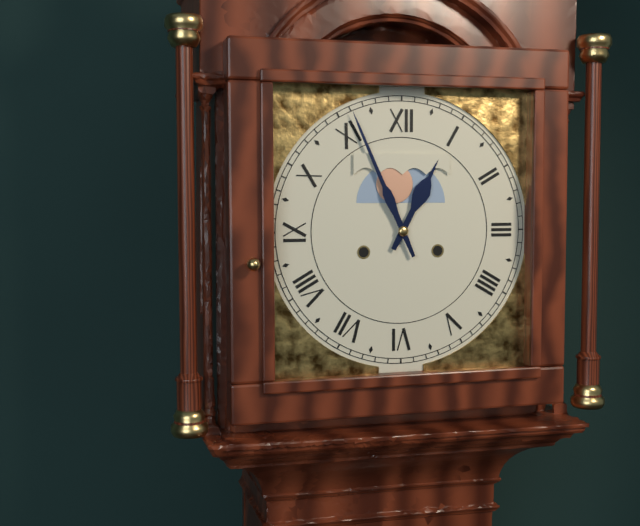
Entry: 12h56
